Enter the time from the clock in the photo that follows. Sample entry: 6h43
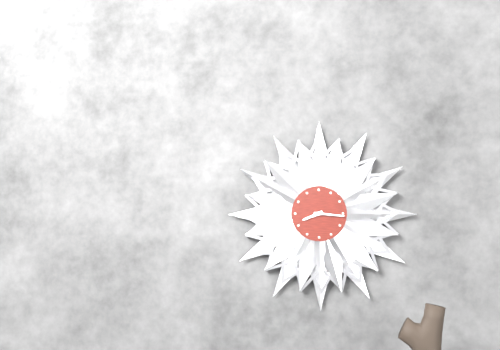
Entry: 8h16
